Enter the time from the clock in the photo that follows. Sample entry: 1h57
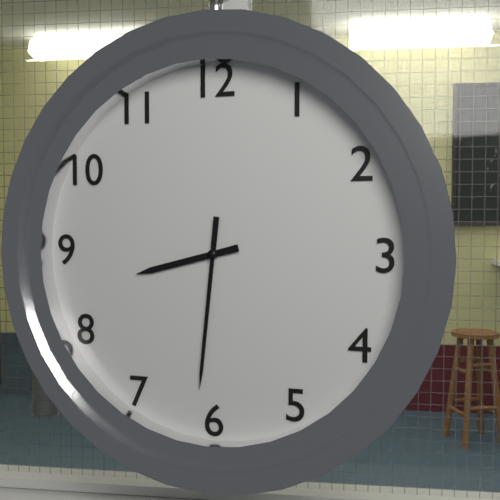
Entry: 8h31
